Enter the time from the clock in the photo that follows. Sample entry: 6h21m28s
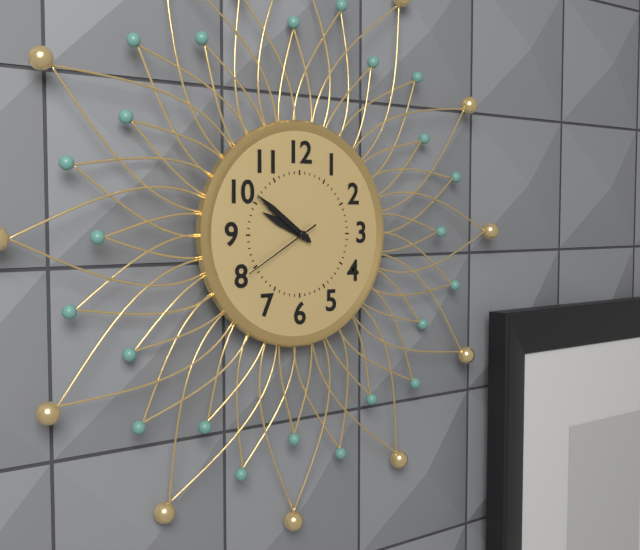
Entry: 9h51m40s
